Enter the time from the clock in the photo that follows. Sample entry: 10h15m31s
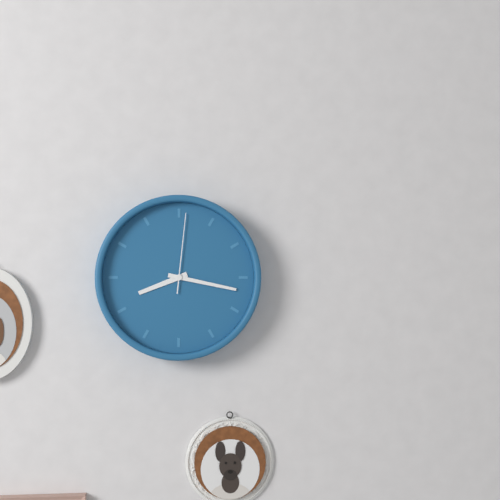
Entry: 8h17m01s
